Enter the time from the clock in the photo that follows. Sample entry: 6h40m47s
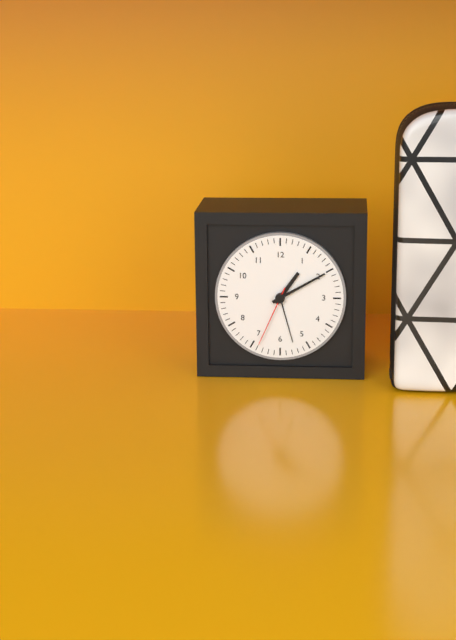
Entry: 1h10m34s
